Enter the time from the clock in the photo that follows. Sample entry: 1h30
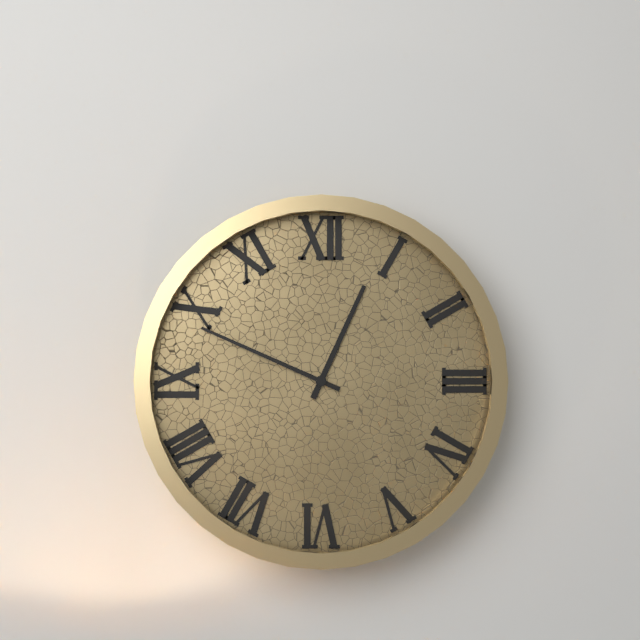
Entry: 12h49
